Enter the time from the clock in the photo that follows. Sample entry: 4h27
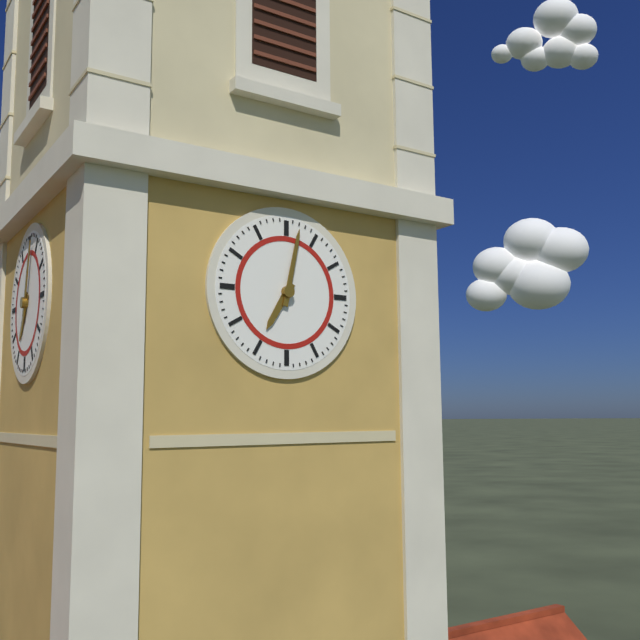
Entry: 7h02
